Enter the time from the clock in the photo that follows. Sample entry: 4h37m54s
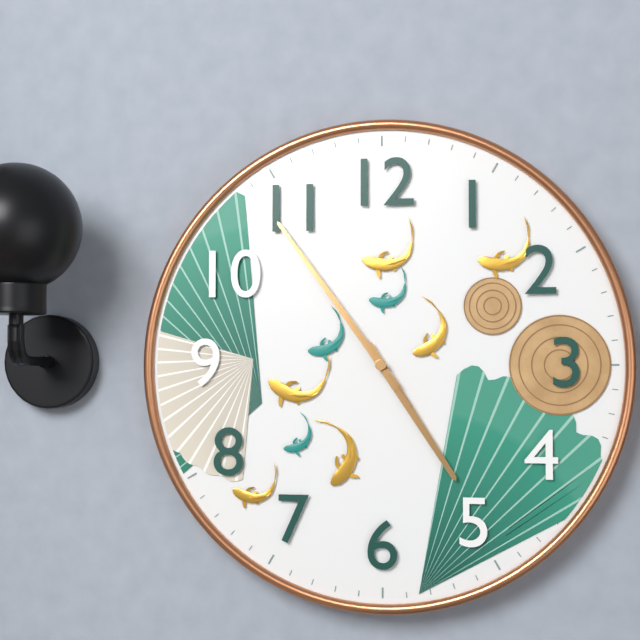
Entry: 4h54m54s
